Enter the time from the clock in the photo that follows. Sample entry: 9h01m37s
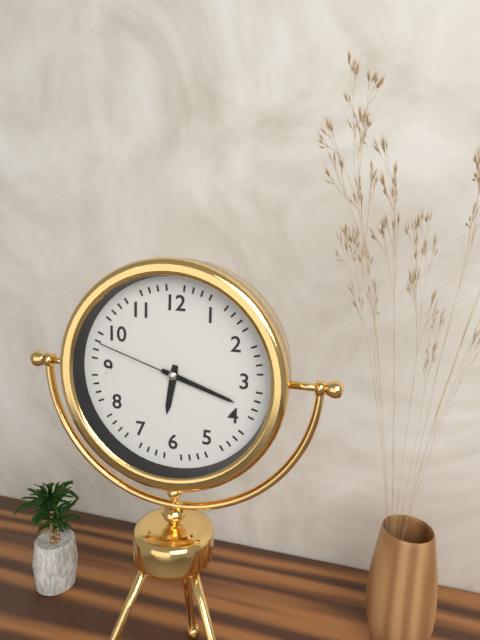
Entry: 6h18m48s
